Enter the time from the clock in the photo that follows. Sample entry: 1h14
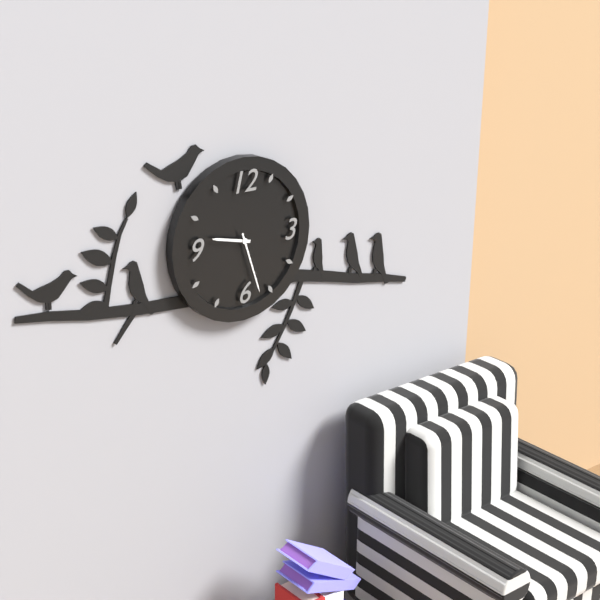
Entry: 9h27
